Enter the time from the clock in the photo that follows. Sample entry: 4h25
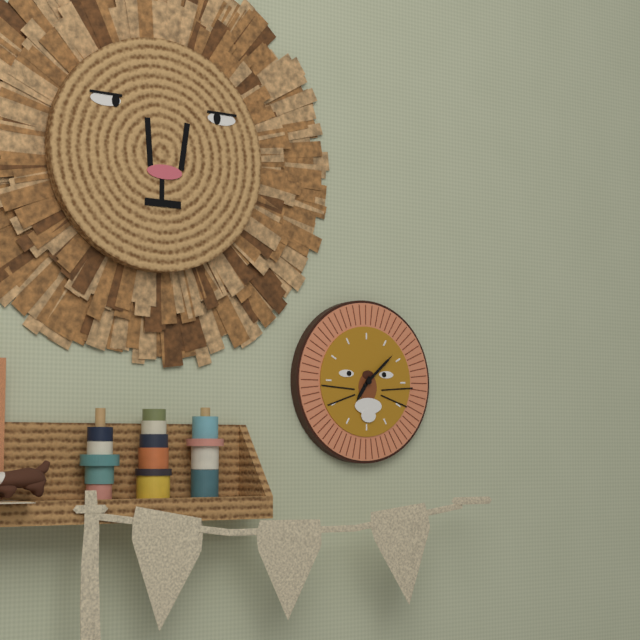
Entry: 7h08
